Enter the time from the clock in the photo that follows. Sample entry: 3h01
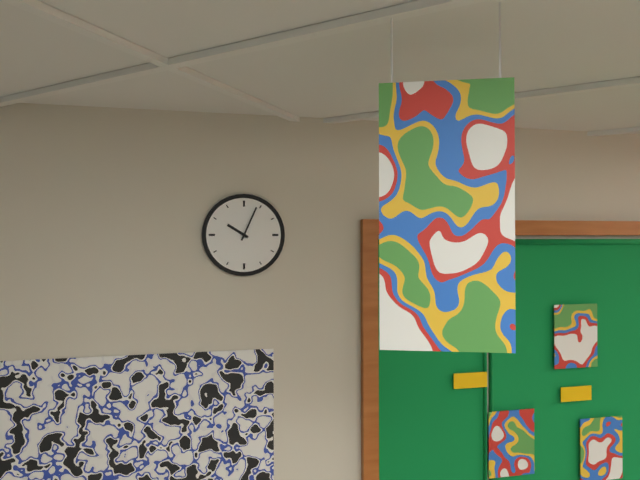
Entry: 10h04
